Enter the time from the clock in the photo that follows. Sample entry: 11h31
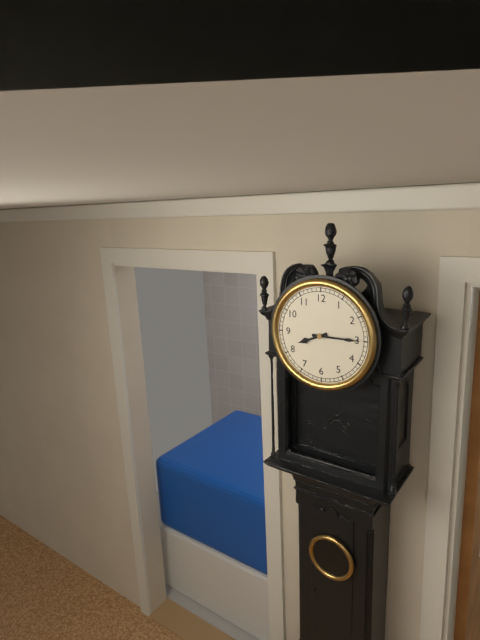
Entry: 8h15
